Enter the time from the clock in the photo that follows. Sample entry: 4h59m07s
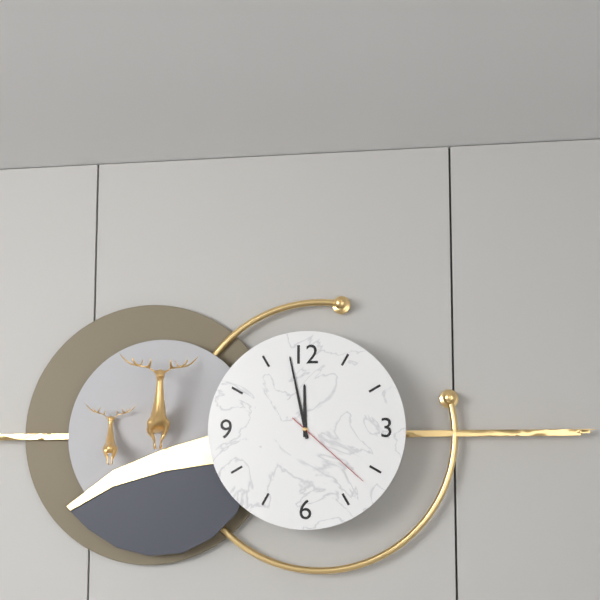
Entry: 11h58m22s
